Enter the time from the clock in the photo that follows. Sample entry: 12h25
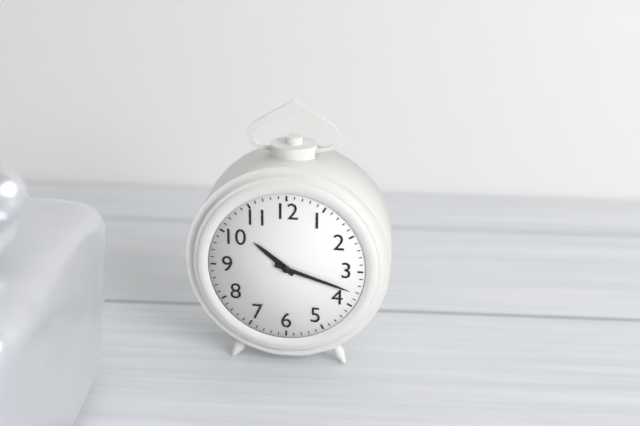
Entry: 10h18
